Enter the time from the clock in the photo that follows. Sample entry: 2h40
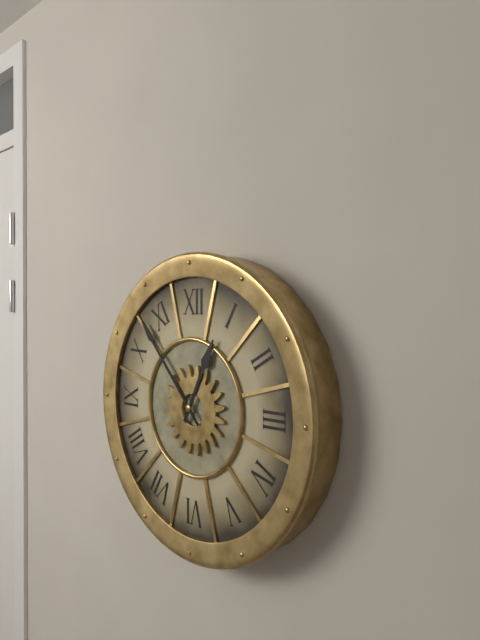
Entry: 12h53
